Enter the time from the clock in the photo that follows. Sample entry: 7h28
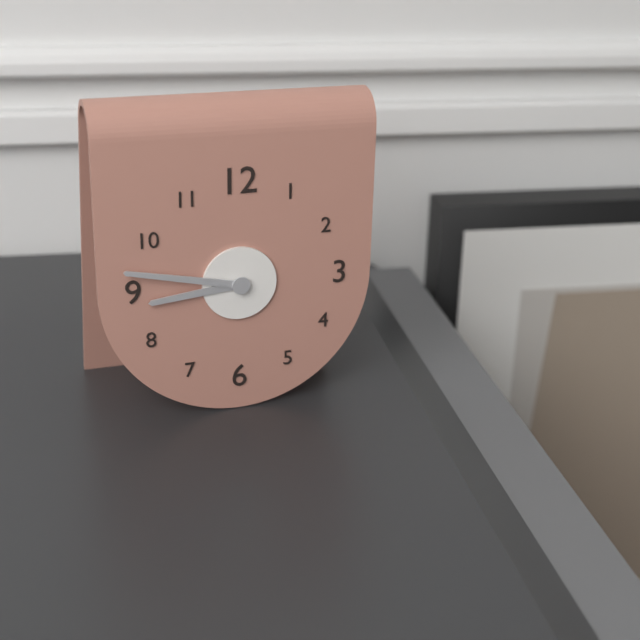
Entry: 8h47
